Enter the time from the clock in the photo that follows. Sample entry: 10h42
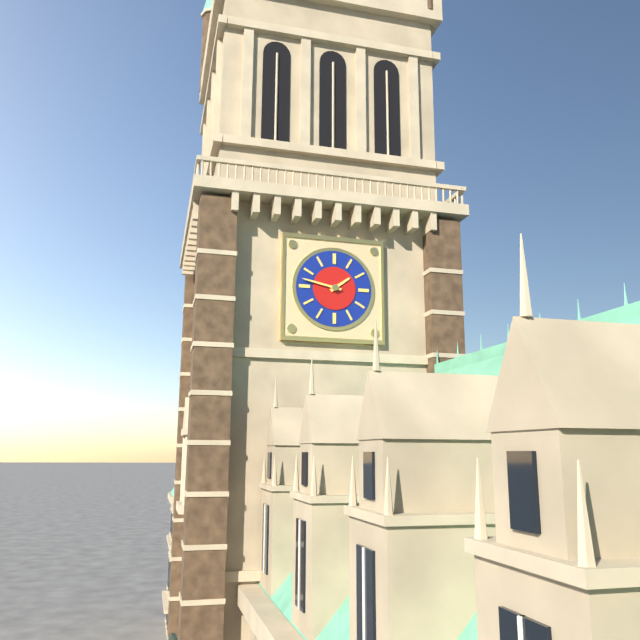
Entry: 1h47
